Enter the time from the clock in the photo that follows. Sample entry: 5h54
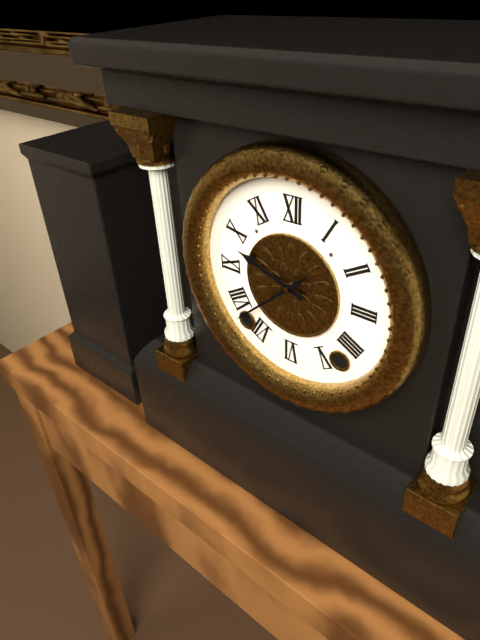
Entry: 9h38
